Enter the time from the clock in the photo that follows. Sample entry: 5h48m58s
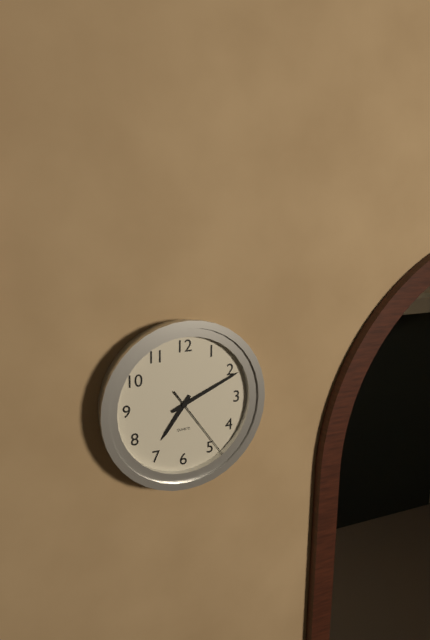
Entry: 7h11m24s
